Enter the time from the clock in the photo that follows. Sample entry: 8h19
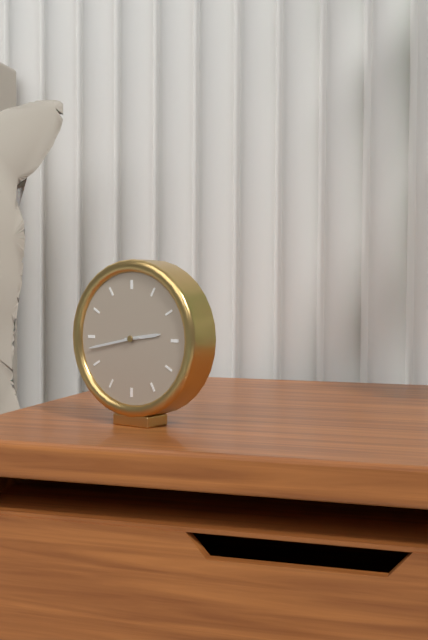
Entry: 2h43
